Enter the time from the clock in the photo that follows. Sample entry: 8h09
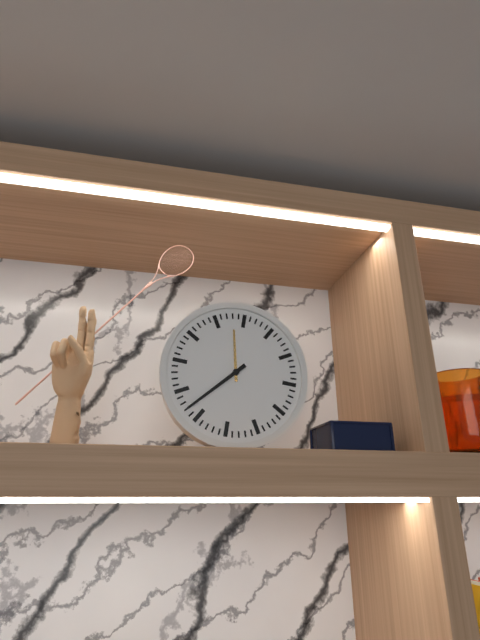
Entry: 11h37
